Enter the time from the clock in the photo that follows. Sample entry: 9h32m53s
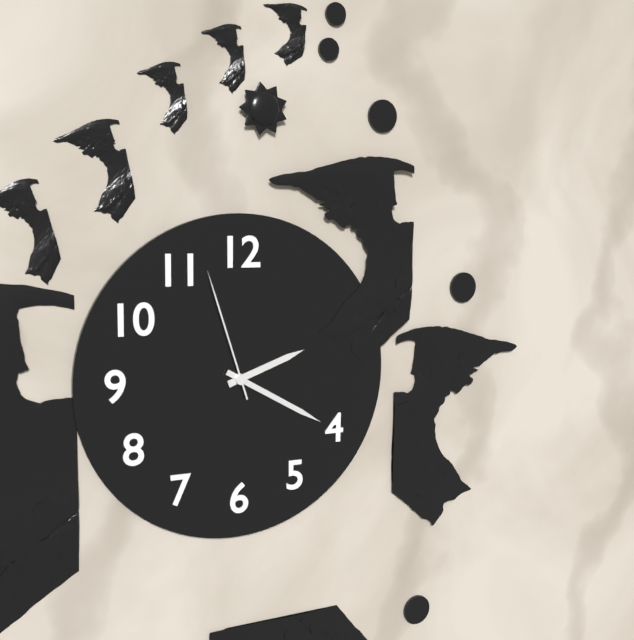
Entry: 2h20m57s
